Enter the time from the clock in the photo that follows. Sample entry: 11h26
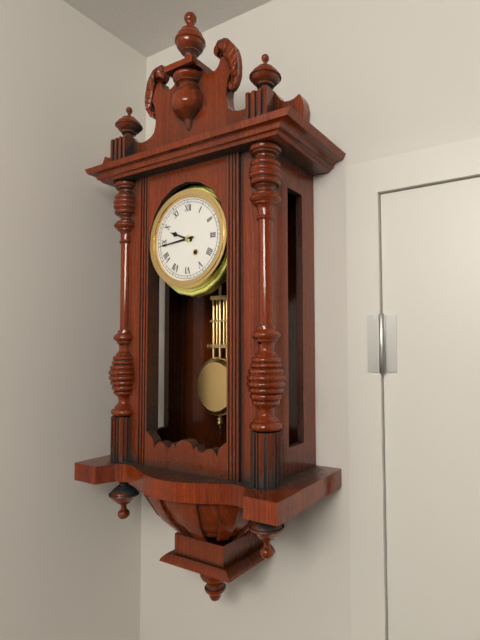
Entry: 9h44
